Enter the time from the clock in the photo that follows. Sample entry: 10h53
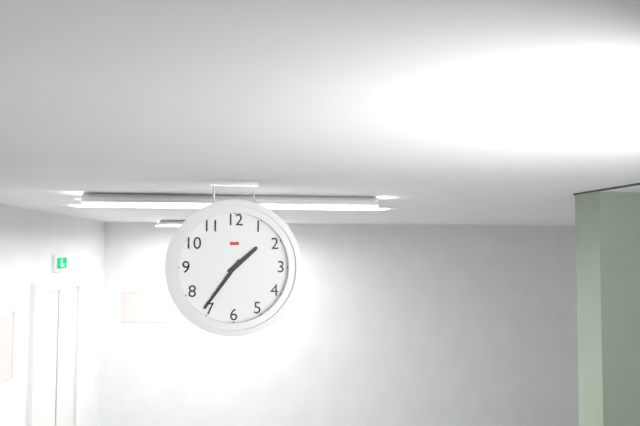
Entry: 1h36
